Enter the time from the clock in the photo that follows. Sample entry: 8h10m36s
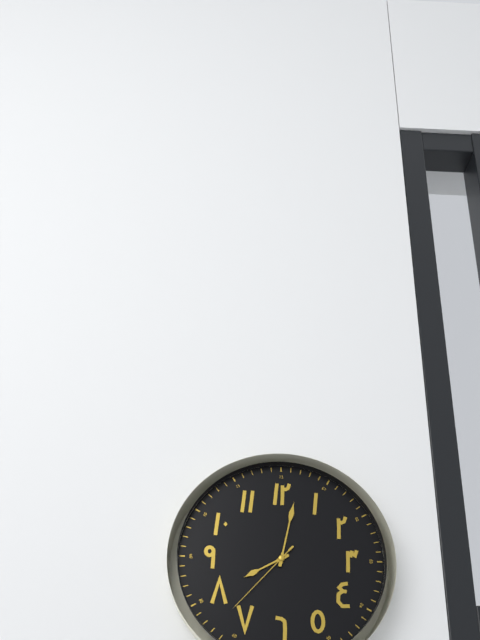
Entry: 8h02m37s
